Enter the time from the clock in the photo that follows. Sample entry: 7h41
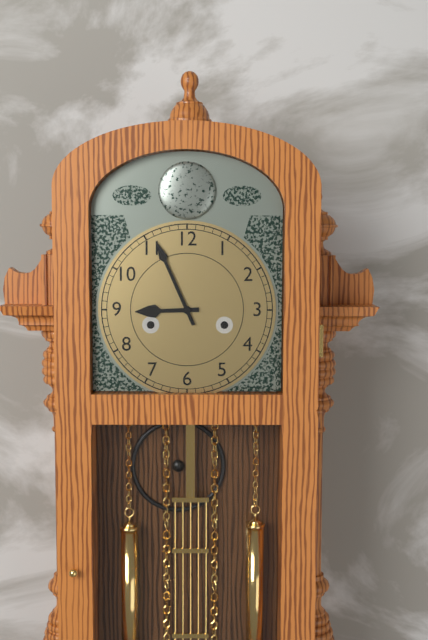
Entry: 8h56
